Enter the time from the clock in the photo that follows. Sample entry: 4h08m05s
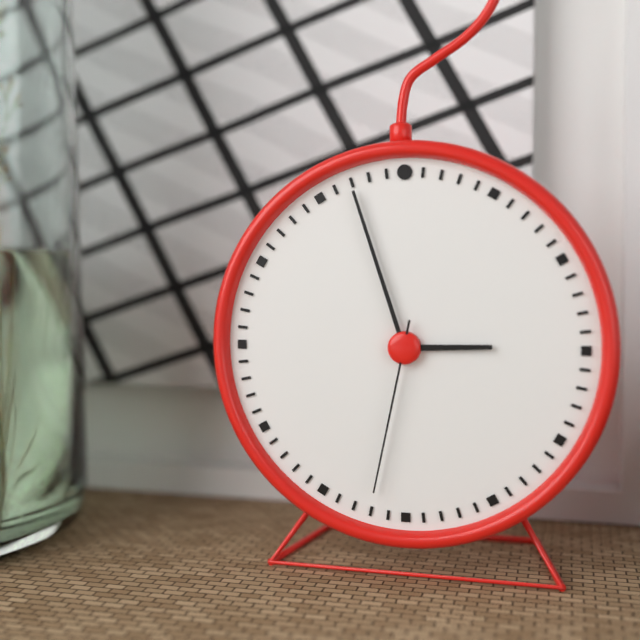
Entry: 2h57m32s
